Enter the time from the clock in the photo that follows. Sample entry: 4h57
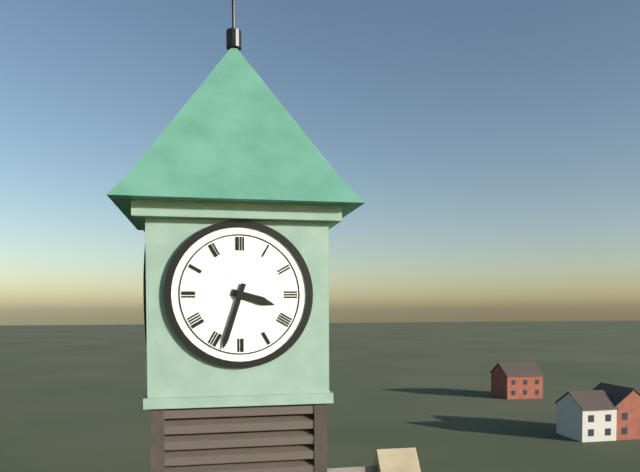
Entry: 3h33
